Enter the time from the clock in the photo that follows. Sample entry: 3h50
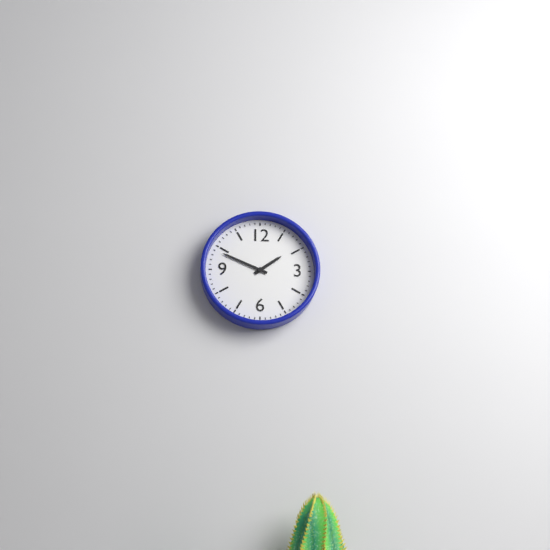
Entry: 1h49
